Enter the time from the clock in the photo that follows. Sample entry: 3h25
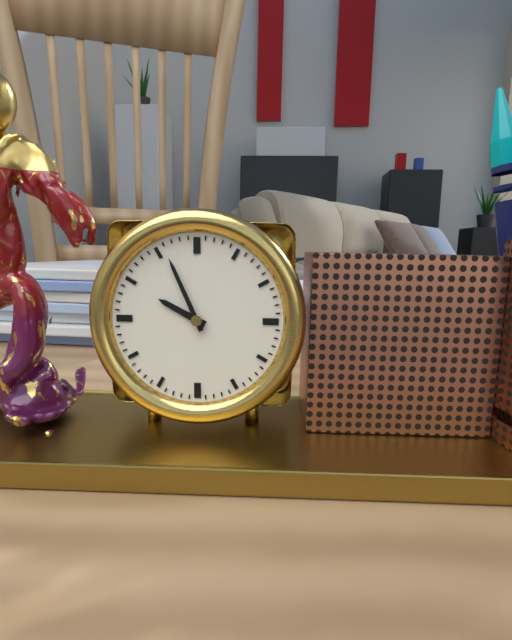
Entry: 9h56
